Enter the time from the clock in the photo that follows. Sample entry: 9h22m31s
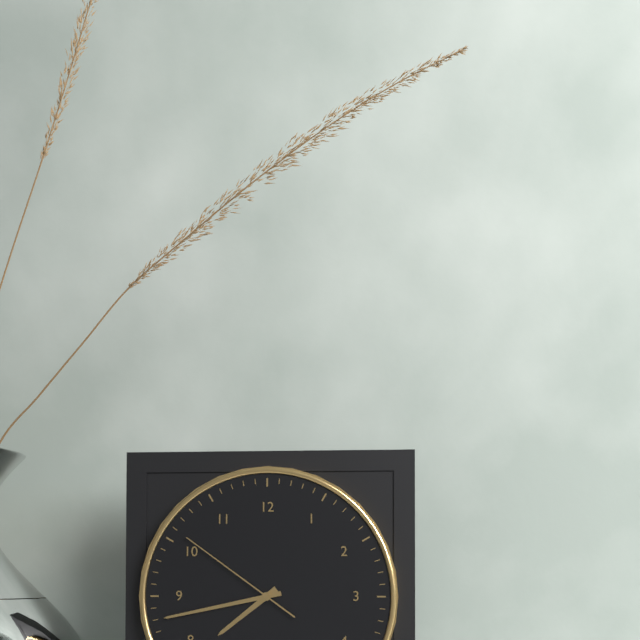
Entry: 7h43m51s
